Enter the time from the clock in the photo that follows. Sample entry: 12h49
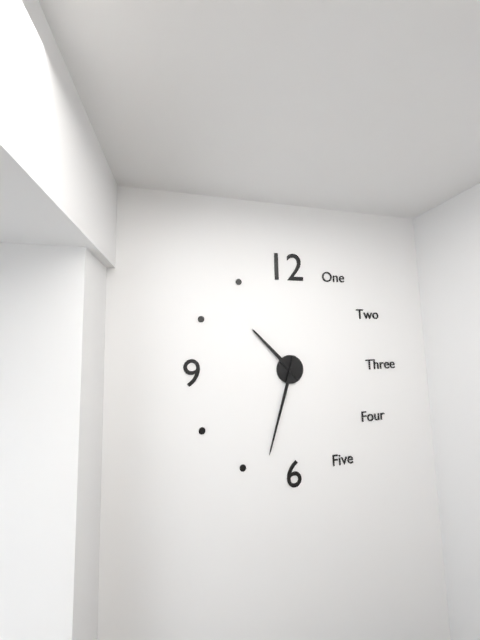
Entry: 10h33
